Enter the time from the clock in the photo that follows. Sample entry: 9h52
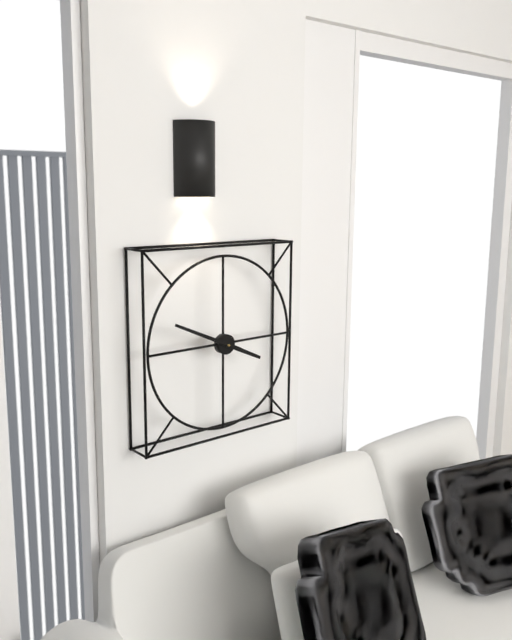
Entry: 3h49
